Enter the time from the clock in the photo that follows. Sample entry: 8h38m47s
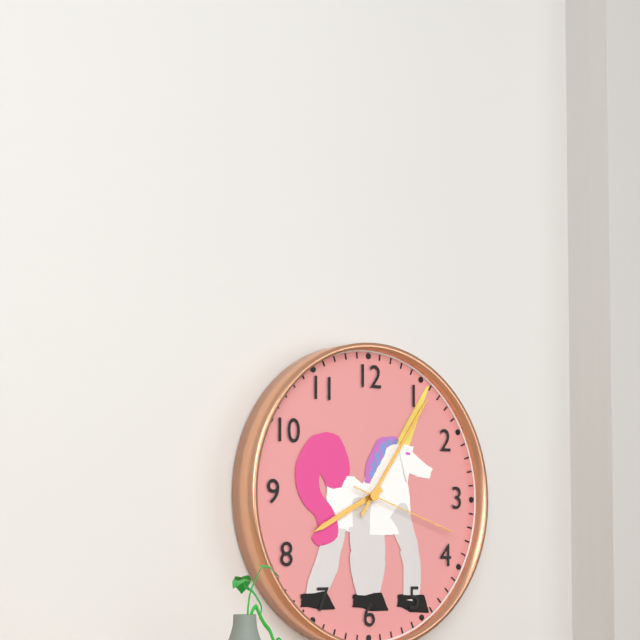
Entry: 8h06m18s
